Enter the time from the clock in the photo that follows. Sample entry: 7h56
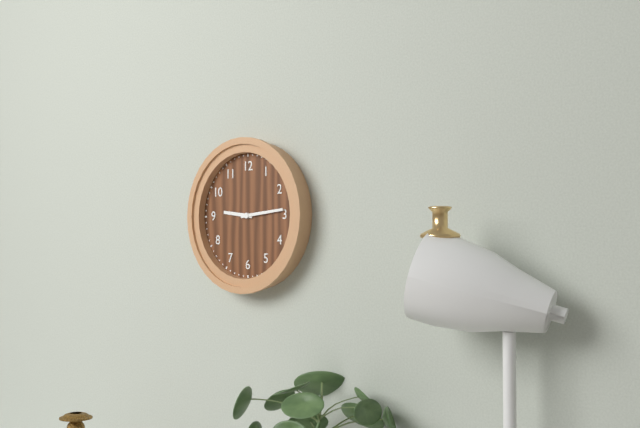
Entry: 9h14
